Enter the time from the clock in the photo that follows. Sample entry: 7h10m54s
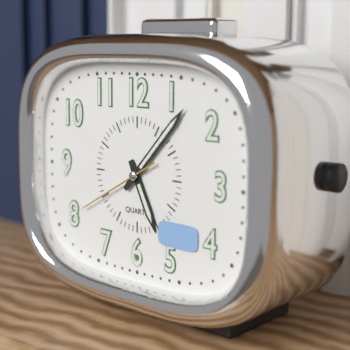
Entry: 5h07m40s
